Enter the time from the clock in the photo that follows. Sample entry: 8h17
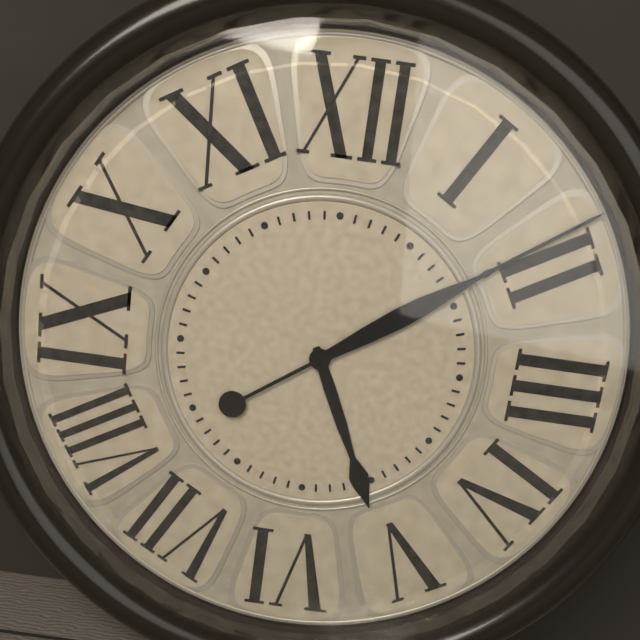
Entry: 5h09
